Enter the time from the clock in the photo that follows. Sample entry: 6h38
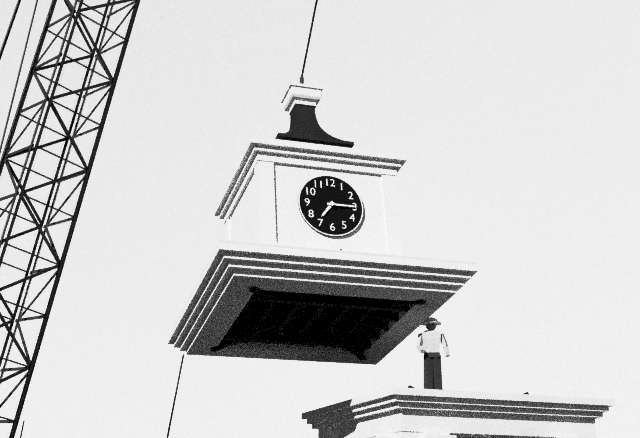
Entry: 7h15
